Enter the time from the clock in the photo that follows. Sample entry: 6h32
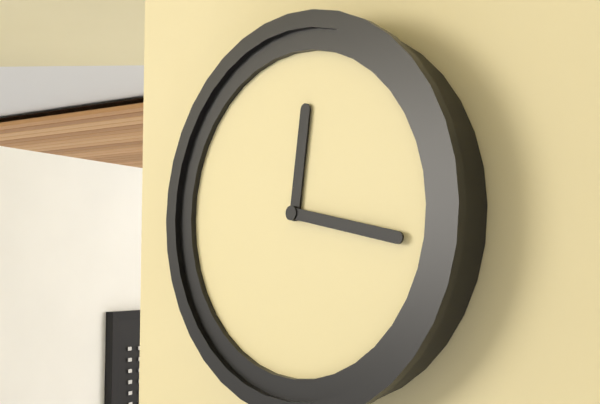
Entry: 12h17
